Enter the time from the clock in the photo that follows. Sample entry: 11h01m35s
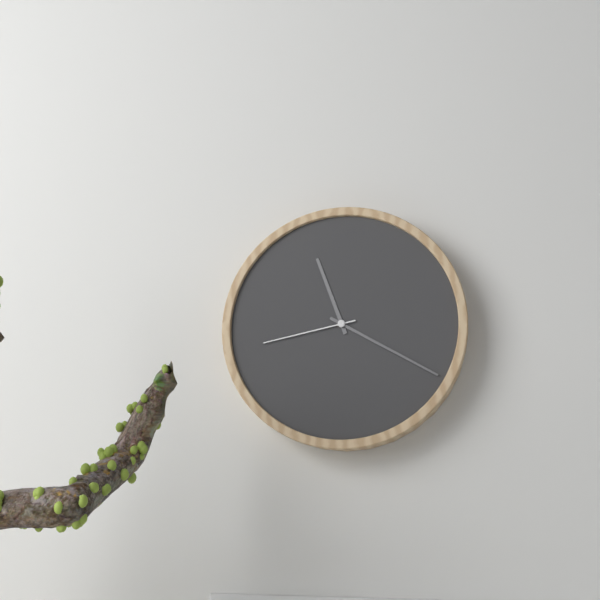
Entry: 11h20m43s
